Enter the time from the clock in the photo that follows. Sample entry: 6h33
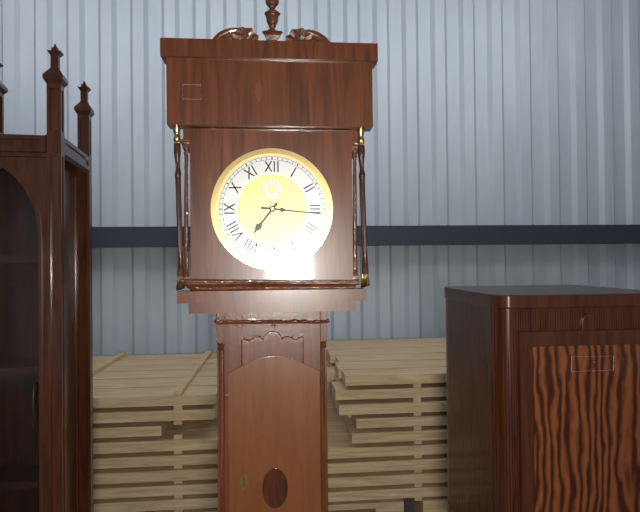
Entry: 7h16
